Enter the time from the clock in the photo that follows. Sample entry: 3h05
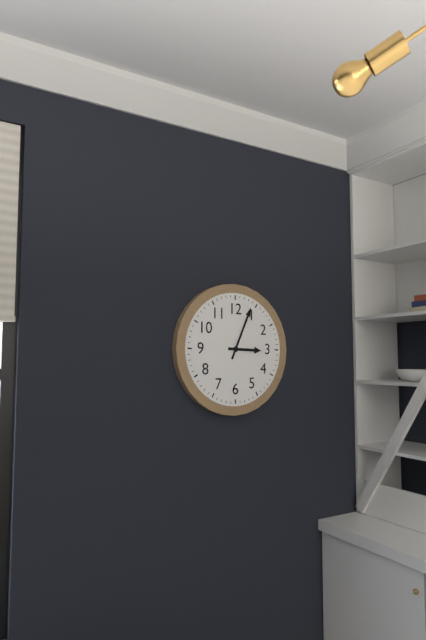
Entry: 3h04
